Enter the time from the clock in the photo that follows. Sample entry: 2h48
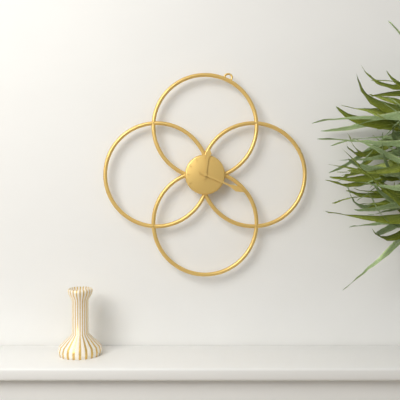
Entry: 12h19
